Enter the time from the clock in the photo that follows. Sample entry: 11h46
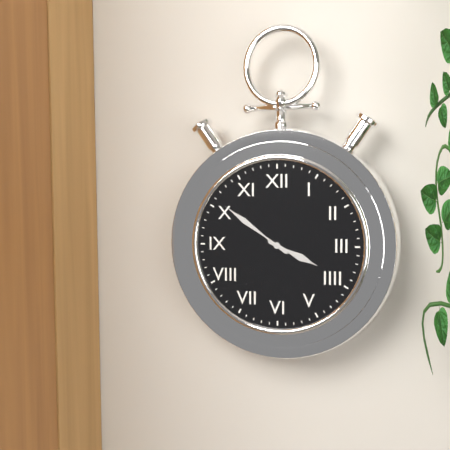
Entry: 3h51
